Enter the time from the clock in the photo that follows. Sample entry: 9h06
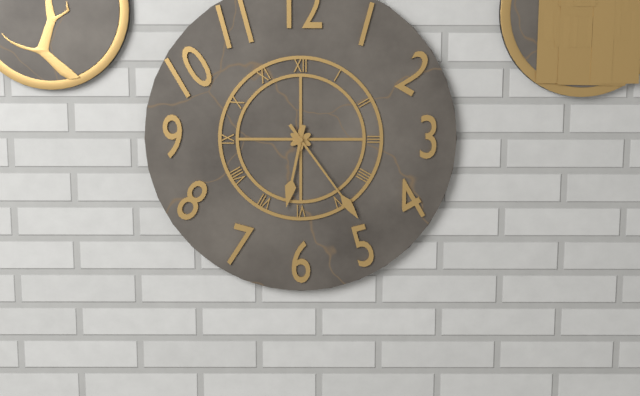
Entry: 6h24
